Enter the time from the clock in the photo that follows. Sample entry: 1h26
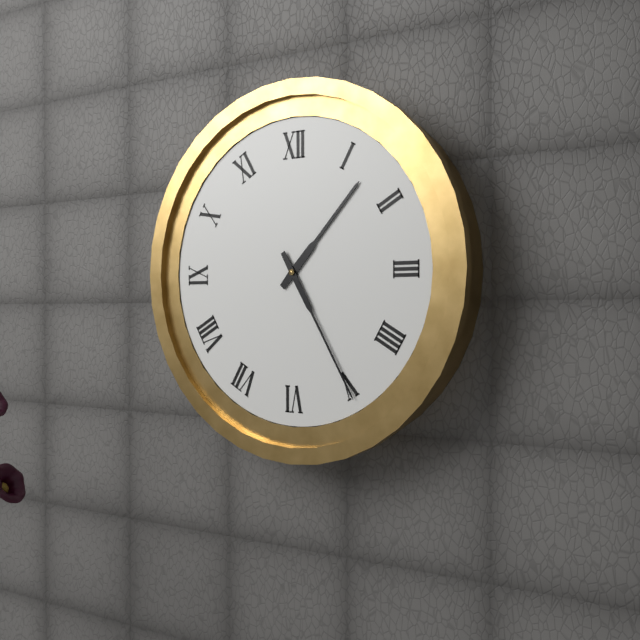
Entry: 1h25
